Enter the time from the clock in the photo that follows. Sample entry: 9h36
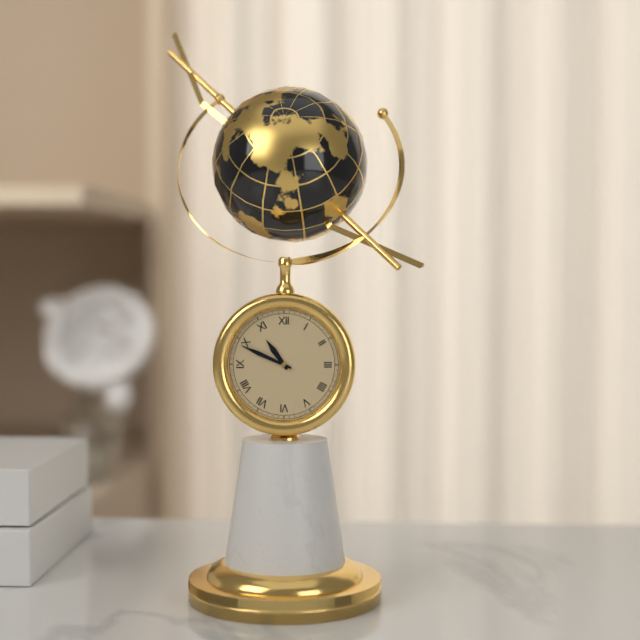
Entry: 10h49
